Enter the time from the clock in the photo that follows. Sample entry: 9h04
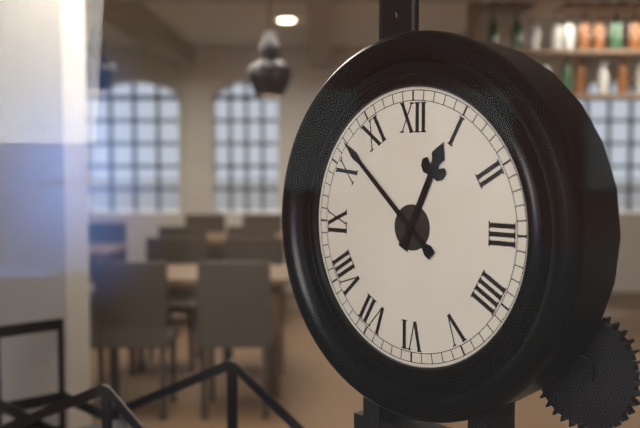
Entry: 12h52
